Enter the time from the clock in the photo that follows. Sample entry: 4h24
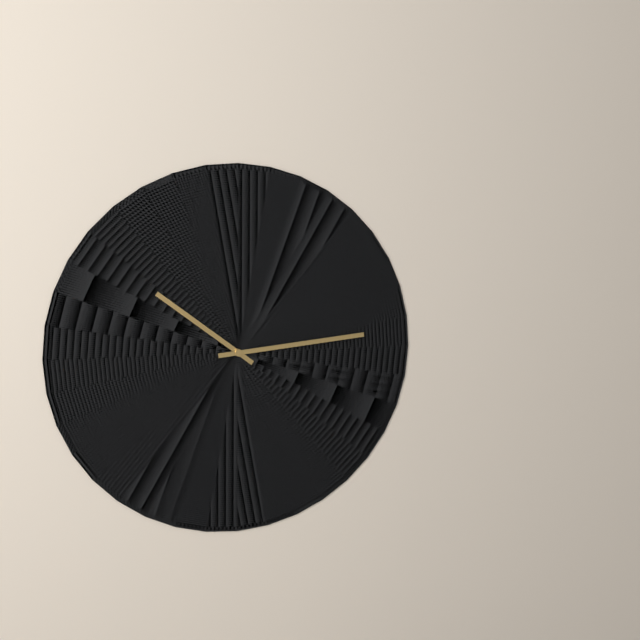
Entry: 10h14
